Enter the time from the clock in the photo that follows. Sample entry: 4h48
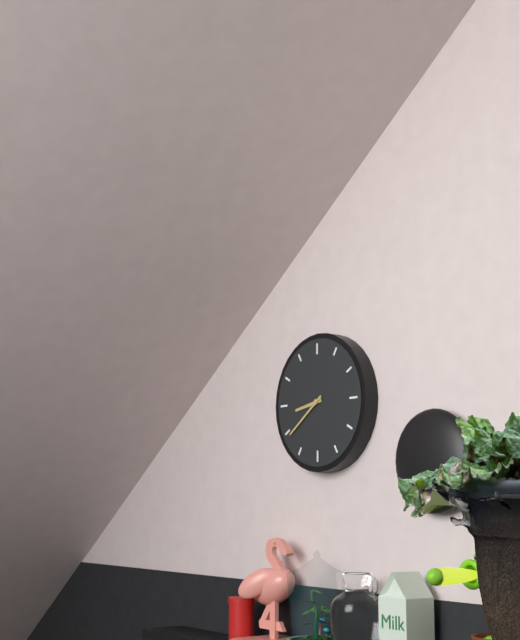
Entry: 8h39
